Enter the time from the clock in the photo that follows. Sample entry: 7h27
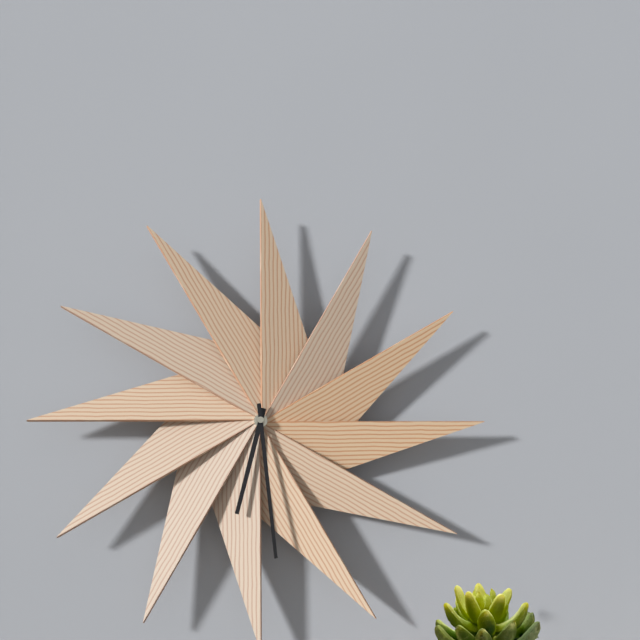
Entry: 6h29
